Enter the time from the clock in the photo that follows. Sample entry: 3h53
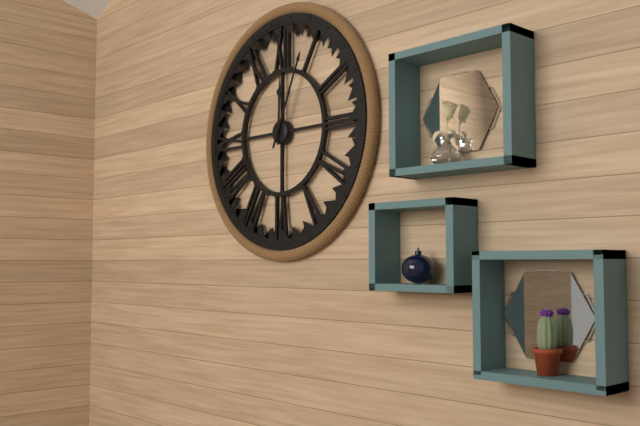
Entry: 12h04
